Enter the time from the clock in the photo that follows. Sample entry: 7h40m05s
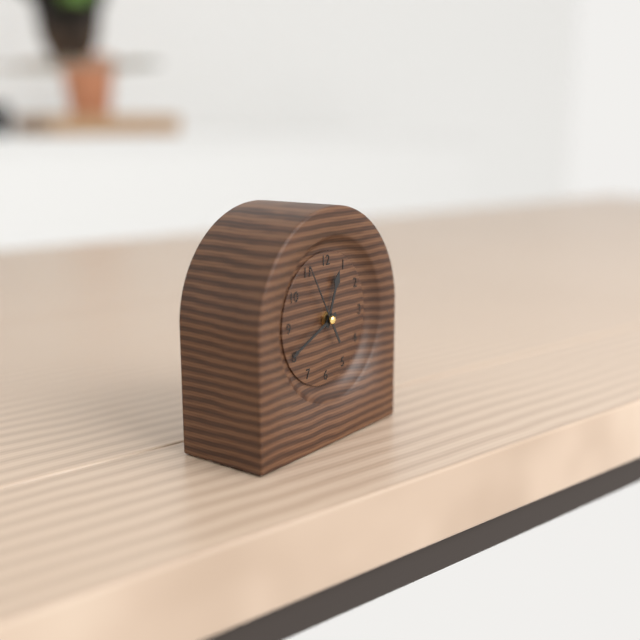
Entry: 12h41m55s
